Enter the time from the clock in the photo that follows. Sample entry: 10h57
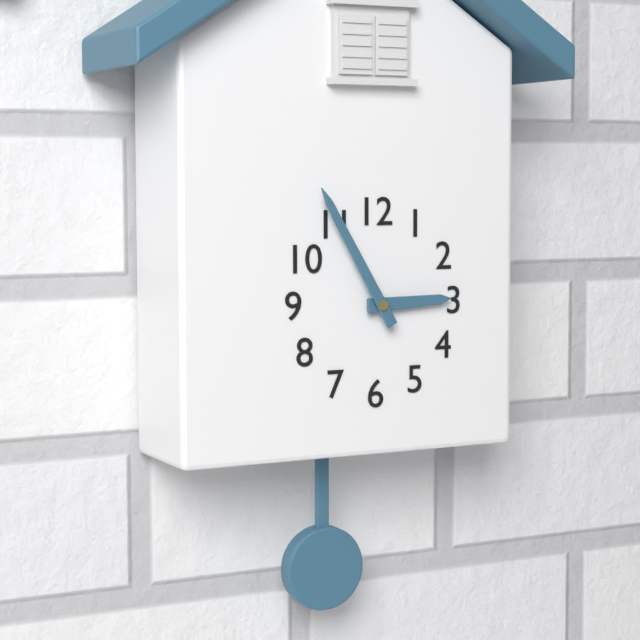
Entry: 2h55
